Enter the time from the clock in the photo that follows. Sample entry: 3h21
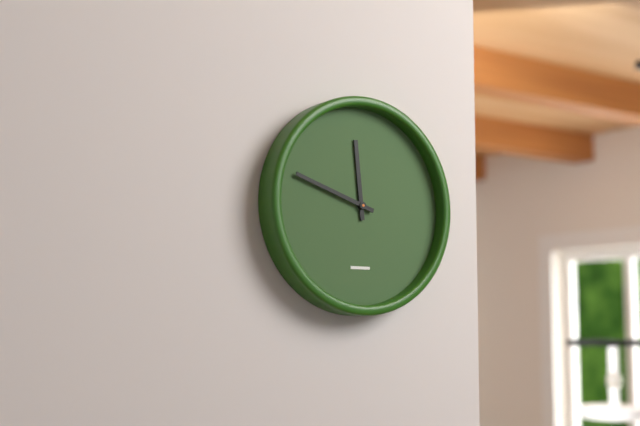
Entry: 11h48
